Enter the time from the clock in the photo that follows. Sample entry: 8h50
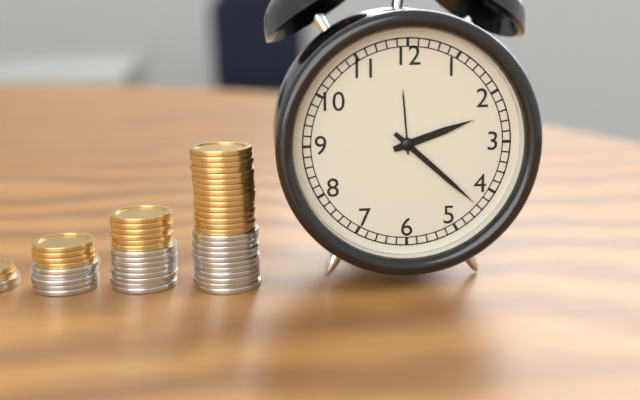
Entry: 2h22
